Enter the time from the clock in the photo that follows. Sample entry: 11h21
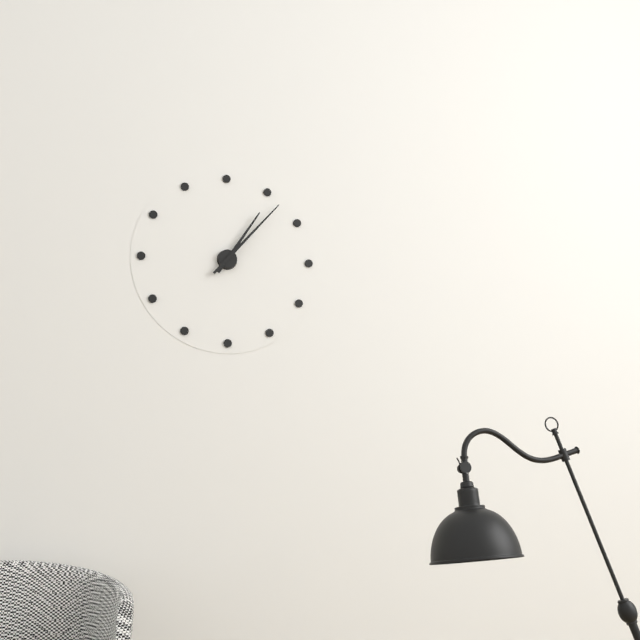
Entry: 1h07
